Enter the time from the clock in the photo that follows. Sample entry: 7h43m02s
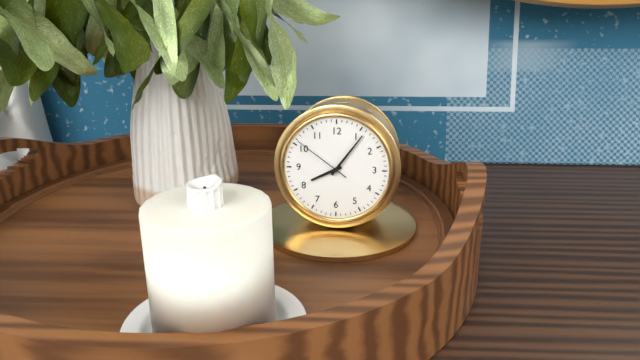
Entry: 8h06m51s
